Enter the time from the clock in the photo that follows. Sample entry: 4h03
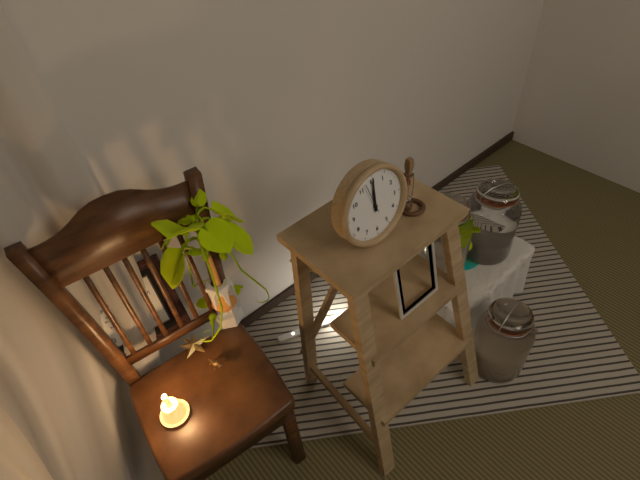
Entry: 12h00
